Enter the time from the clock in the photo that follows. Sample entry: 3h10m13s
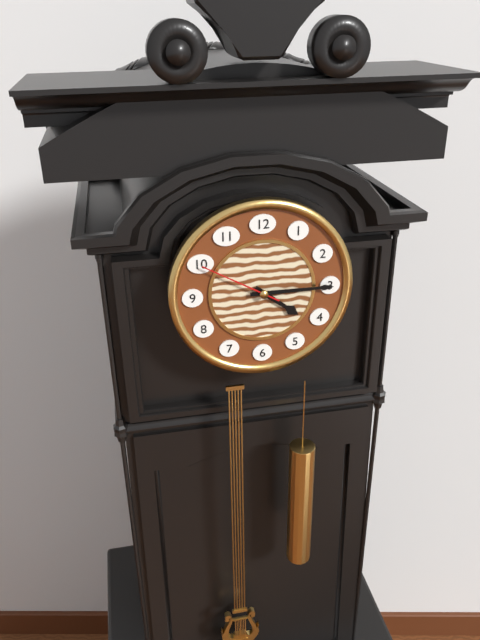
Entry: 4h15m50s
